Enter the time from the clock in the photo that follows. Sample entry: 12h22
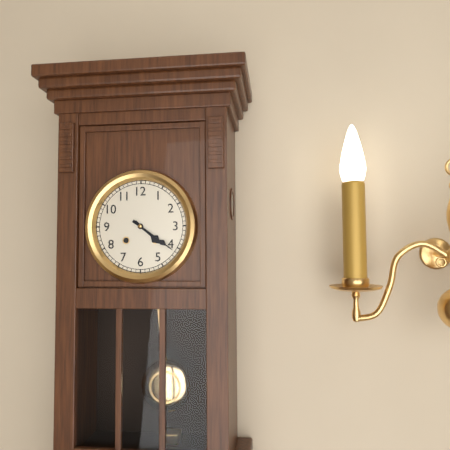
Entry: 4h21
